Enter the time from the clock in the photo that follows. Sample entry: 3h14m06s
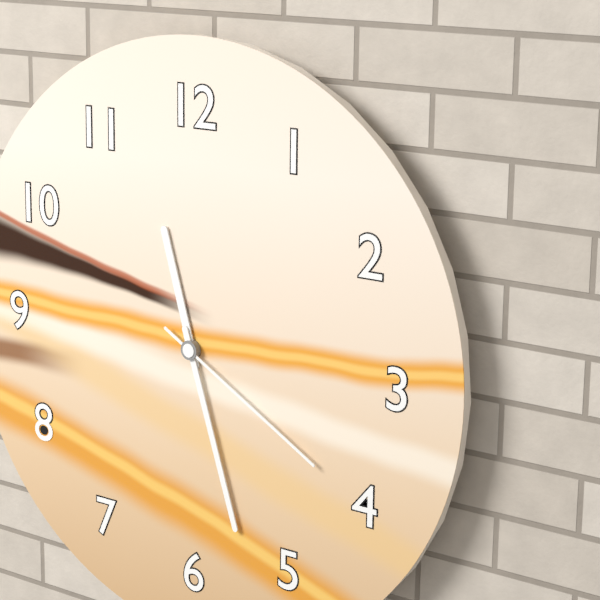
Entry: 11h27m20s
